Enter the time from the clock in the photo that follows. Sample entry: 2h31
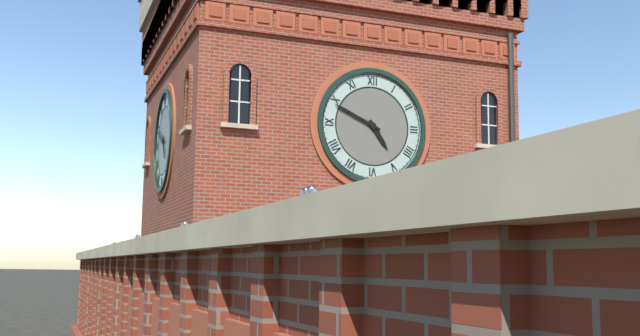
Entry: 4h49
